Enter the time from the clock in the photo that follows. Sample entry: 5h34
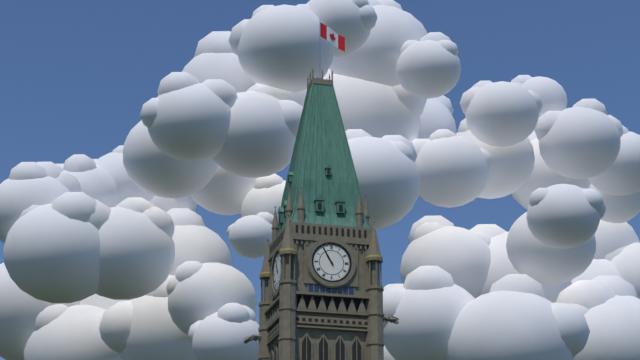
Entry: 10h55
